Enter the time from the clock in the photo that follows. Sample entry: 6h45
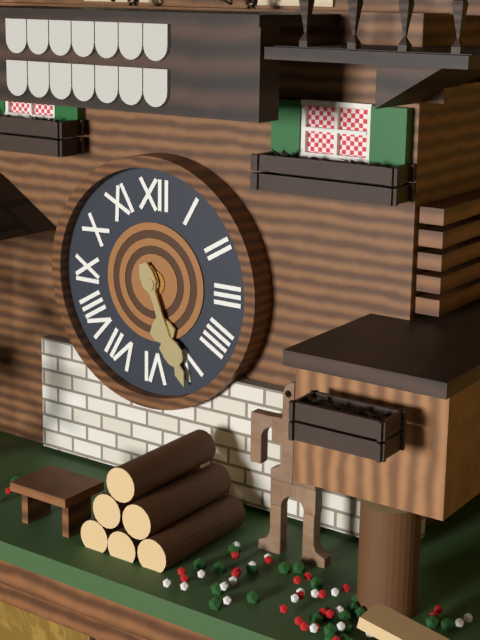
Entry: 5h26
